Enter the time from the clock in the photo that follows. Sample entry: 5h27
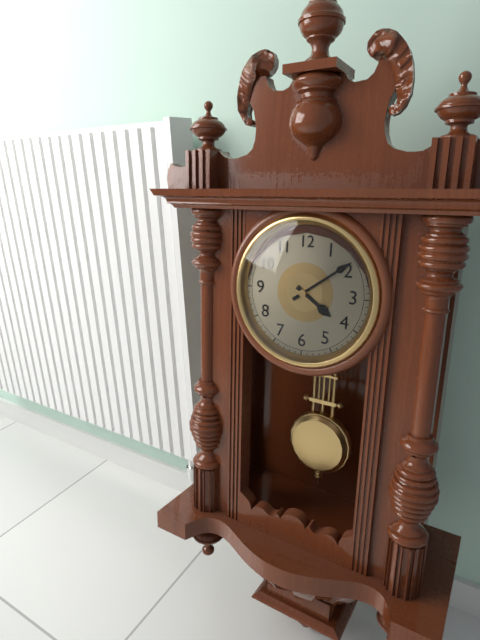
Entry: 4h09
